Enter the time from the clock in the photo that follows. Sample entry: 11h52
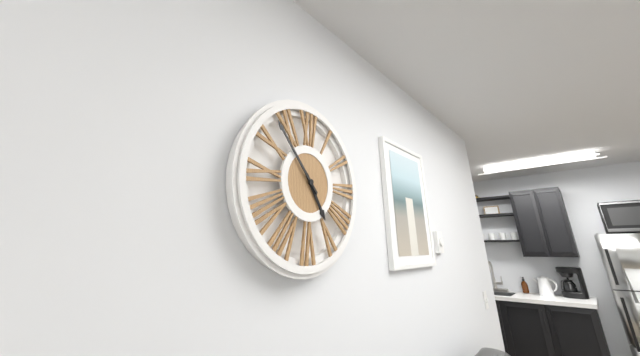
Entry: 4h53
